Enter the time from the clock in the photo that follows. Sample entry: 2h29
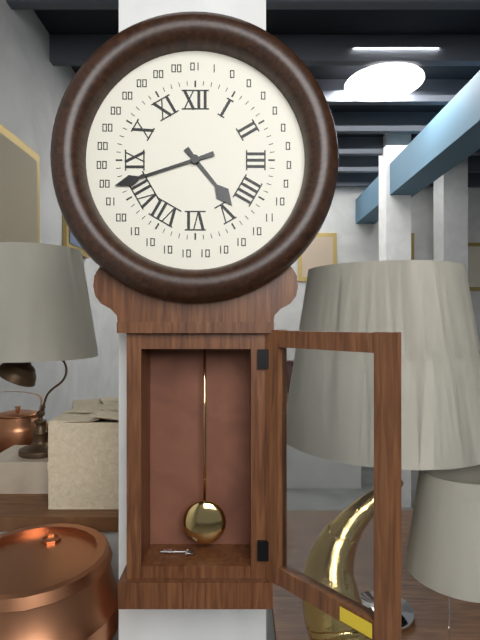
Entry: 4h42
